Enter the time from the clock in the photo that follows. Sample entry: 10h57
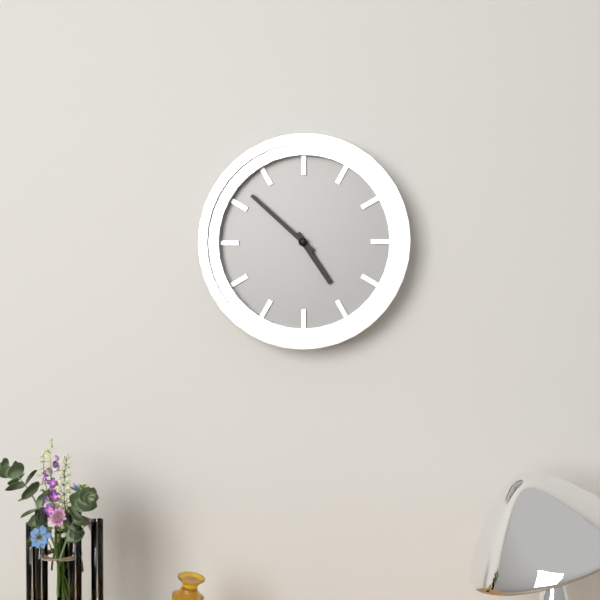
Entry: 4h52
